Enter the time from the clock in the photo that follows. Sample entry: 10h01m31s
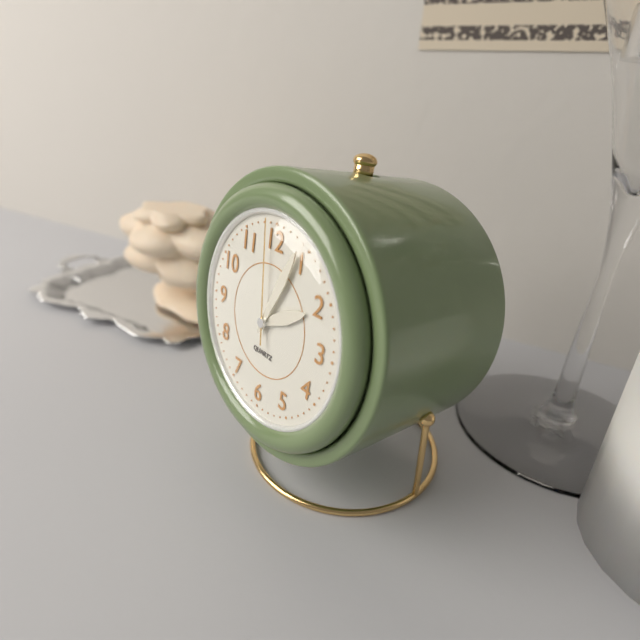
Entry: 2h04m59s
